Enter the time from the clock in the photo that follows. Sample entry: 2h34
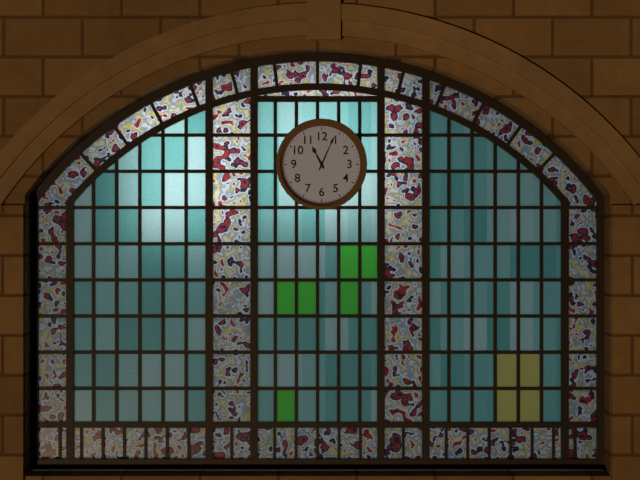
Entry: 11h04
